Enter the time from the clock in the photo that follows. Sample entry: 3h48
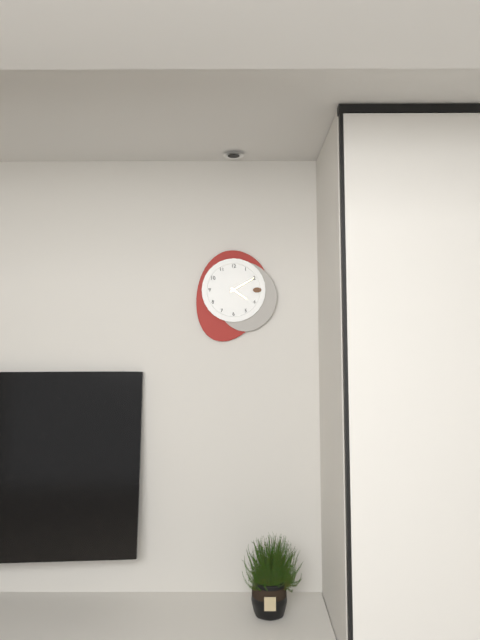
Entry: 4h10
